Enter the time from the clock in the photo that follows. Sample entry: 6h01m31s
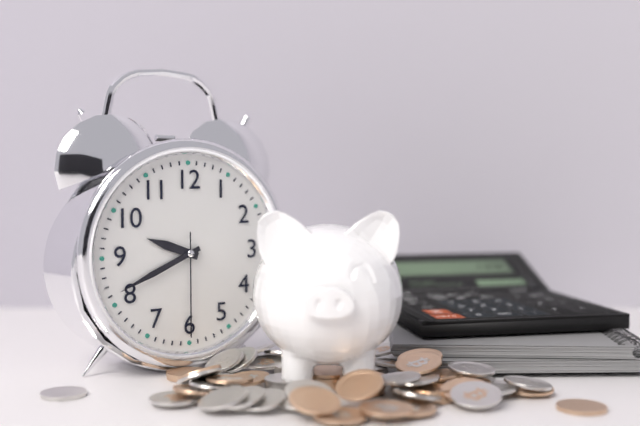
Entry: 9h41m30s
